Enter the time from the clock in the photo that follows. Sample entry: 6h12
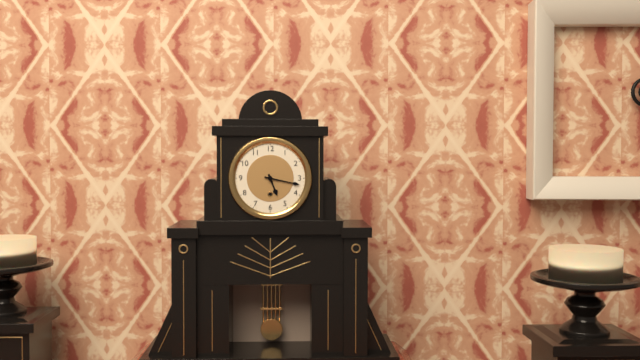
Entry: 5h17
